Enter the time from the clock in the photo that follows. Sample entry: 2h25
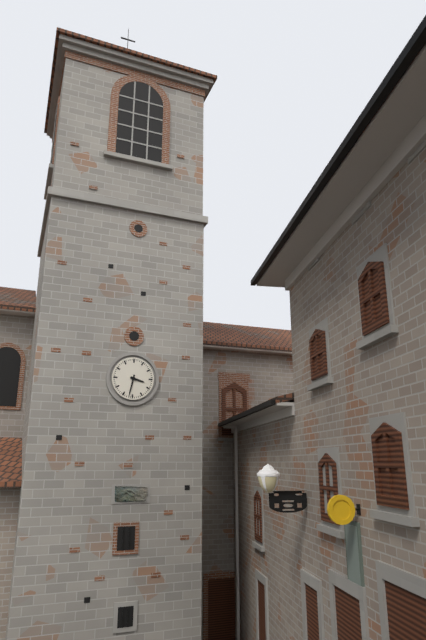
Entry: 3h32
